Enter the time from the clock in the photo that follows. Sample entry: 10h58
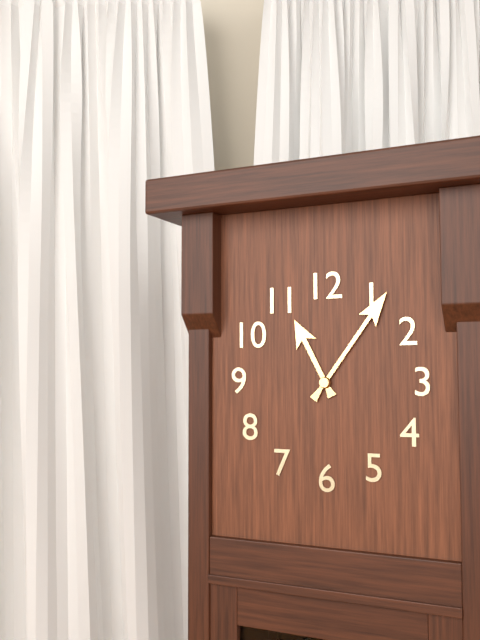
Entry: 11h06
